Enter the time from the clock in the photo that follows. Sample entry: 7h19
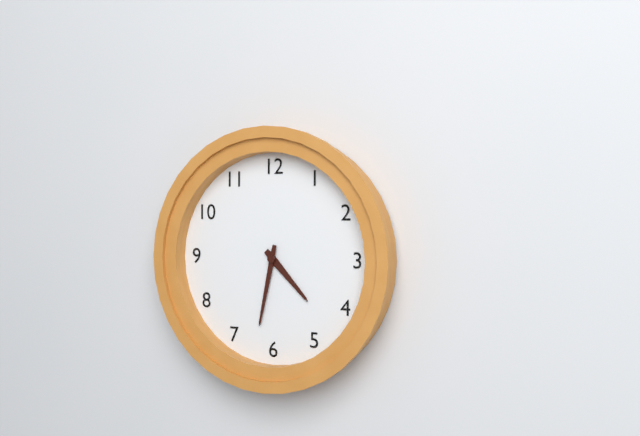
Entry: 4h32
